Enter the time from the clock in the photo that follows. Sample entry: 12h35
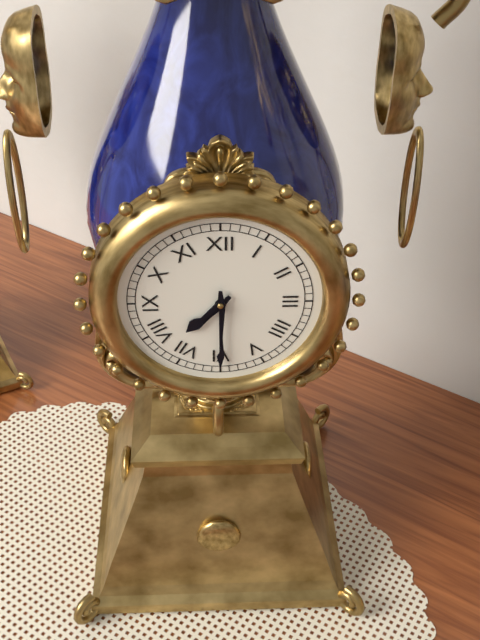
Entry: 7h30
